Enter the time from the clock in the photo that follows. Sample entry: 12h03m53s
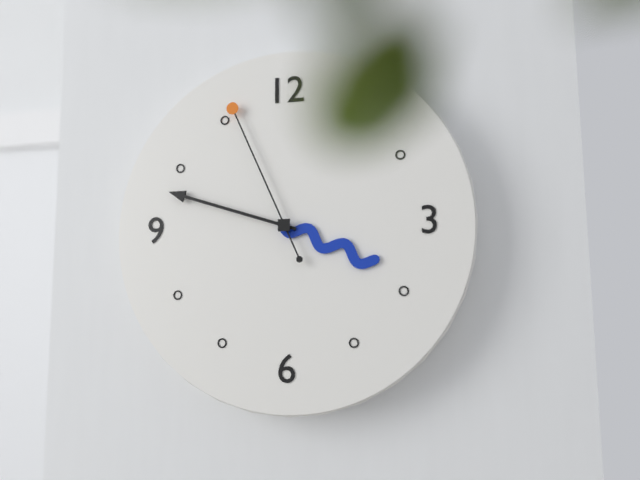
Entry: 3h48m56s
